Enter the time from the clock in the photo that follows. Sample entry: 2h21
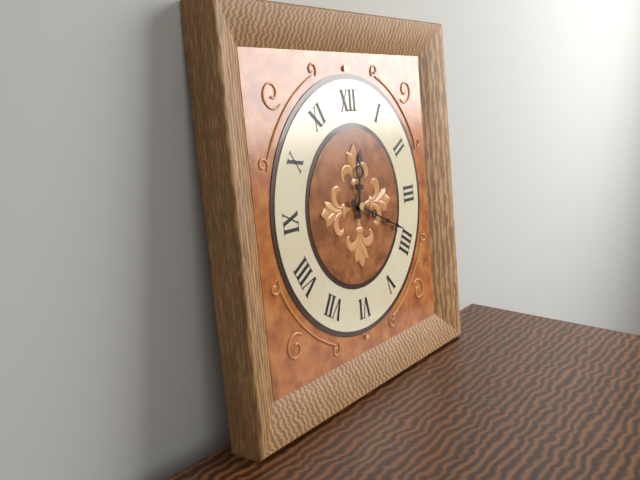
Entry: 12h19
